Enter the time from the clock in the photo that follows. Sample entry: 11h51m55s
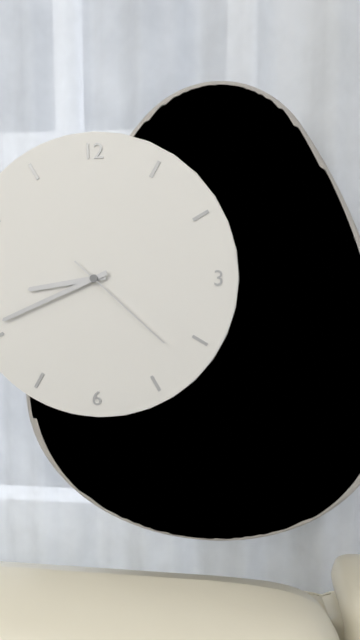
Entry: 8h41m22s
